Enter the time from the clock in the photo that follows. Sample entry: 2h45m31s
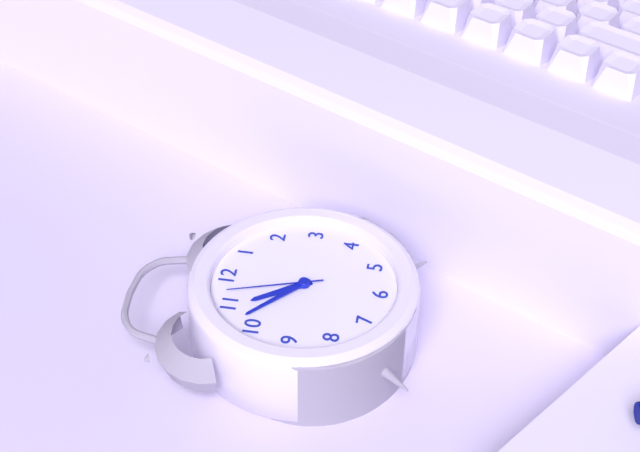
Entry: 10h52m57s
